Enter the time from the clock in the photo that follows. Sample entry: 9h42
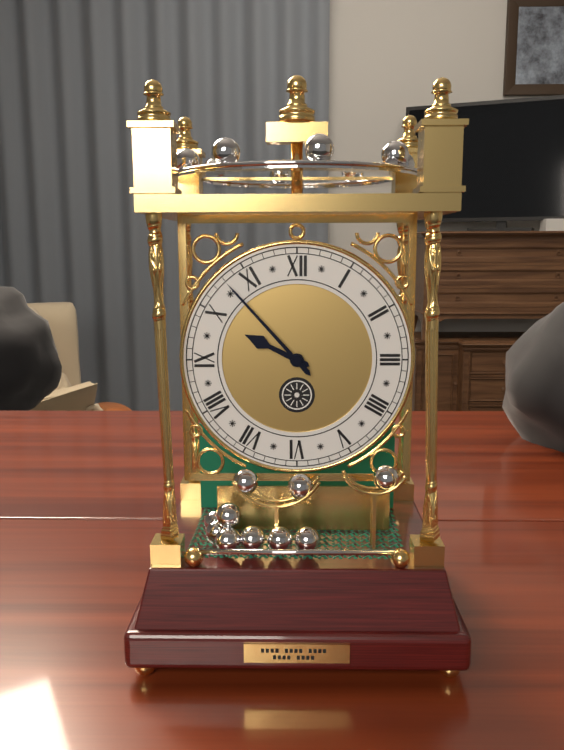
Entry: 9h53
